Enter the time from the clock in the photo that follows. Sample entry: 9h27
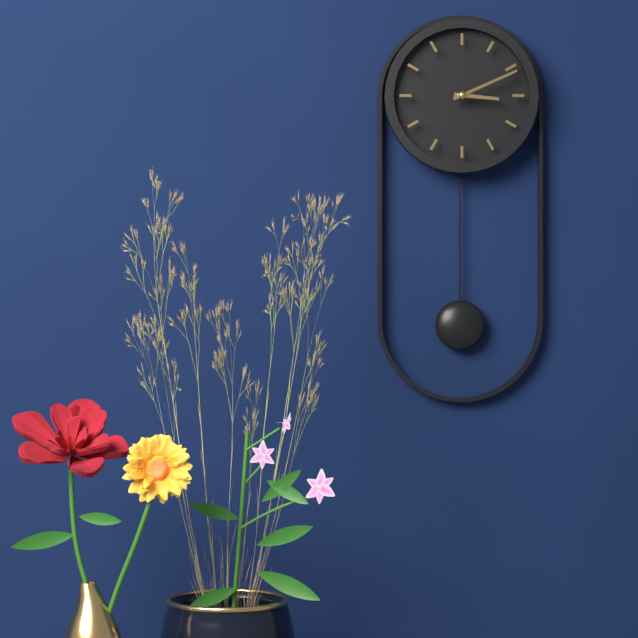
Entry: 3h11
